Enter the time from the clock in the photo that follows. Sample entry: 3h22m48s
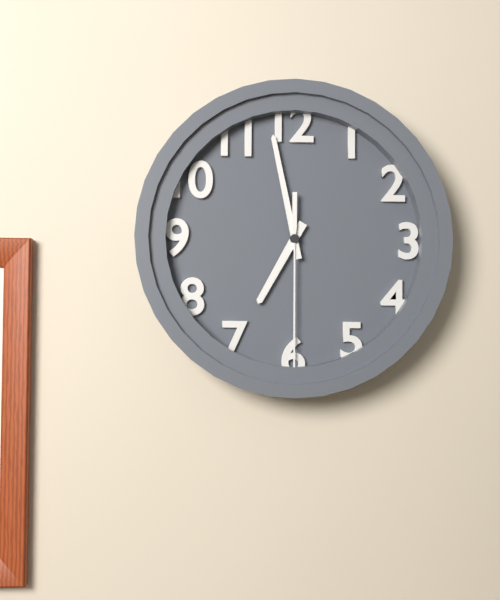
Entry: 6h58m30s
